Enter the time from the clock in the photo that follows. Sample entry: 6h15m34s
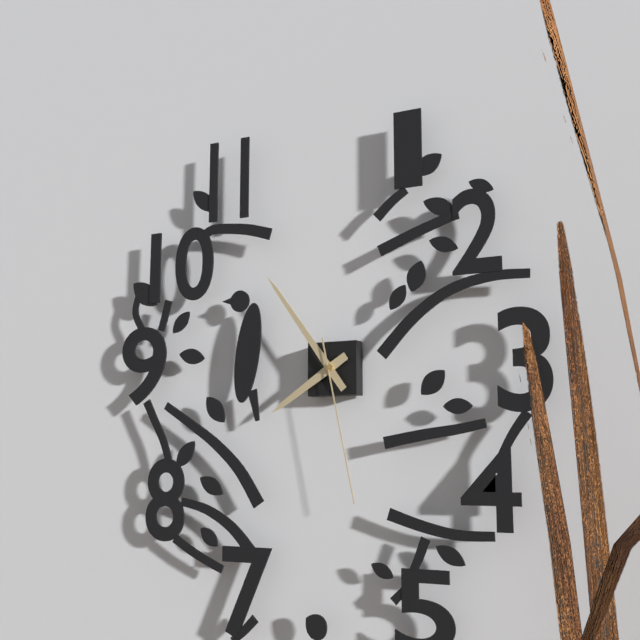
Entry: 7h54m28s
